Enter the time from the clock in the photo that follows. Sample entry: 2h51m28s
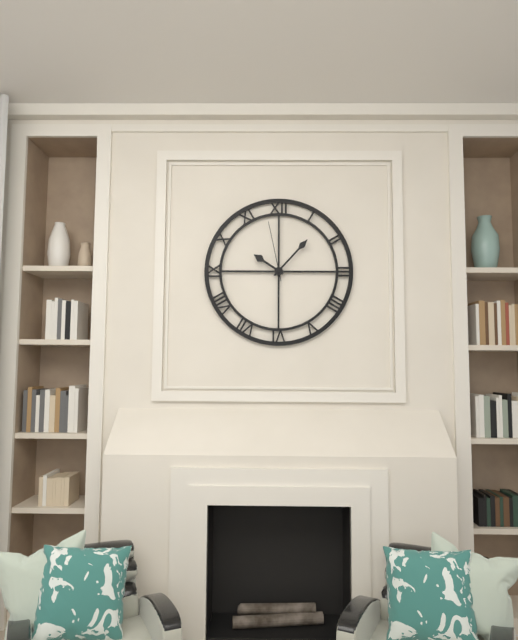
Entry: 10h07m58s
